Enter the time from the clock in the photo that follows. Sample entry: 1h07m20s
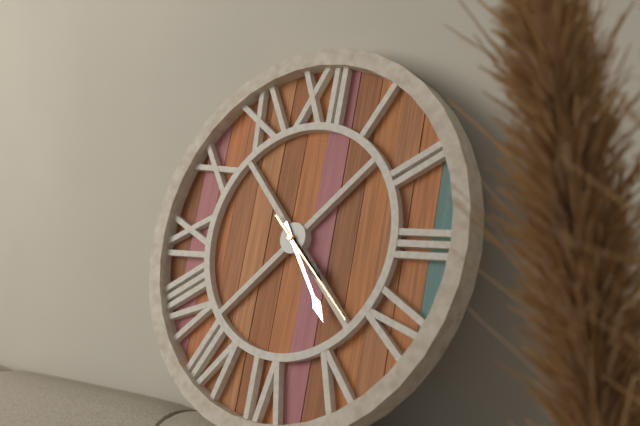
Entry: 4h24m22s
